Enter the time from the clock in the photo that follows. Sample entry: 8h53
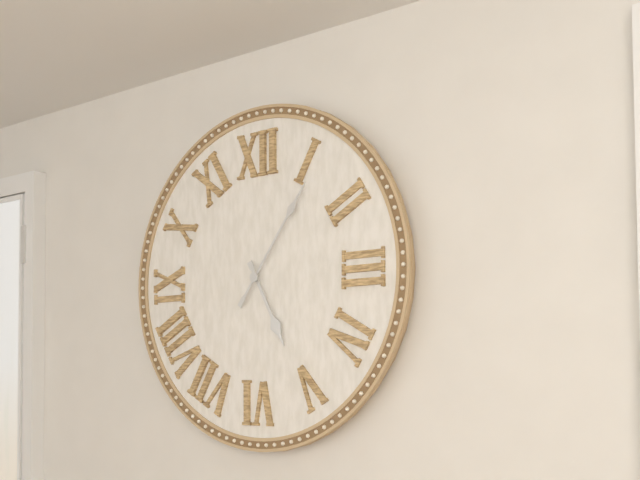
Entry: 5h06
